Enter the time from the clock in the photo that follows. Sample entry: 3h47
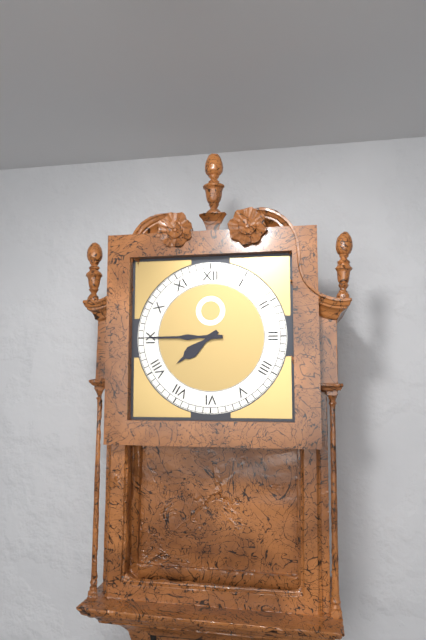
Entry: 7h45
